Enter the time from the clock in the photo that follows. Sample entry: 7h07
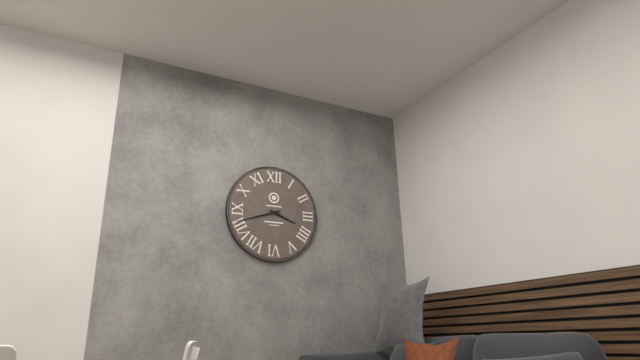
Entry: 3h42
